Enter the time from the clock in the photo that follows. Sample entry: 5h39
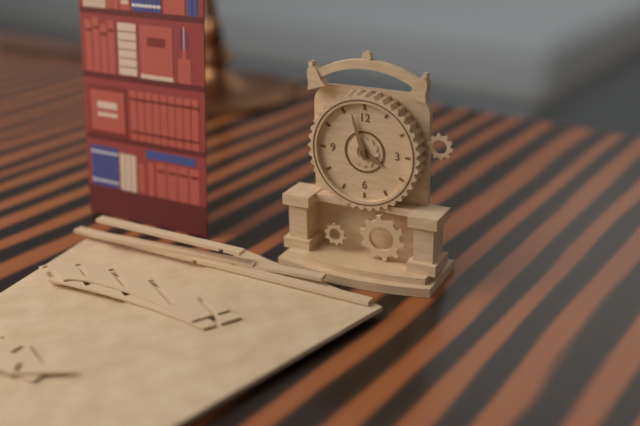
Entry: 3h57
